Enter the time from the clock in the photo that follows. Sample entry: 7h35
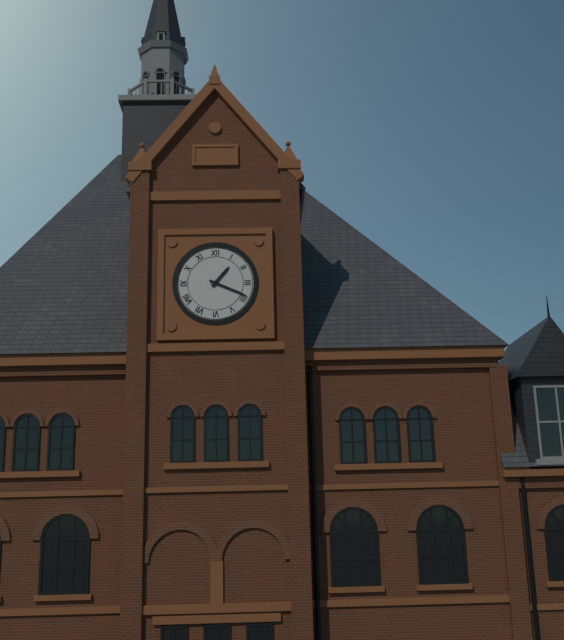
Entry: 1h19
